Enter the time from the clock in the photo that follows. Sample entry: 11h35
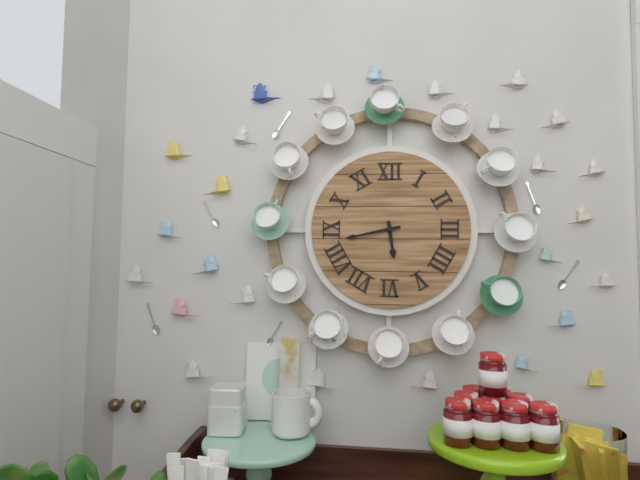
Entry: 5h43
